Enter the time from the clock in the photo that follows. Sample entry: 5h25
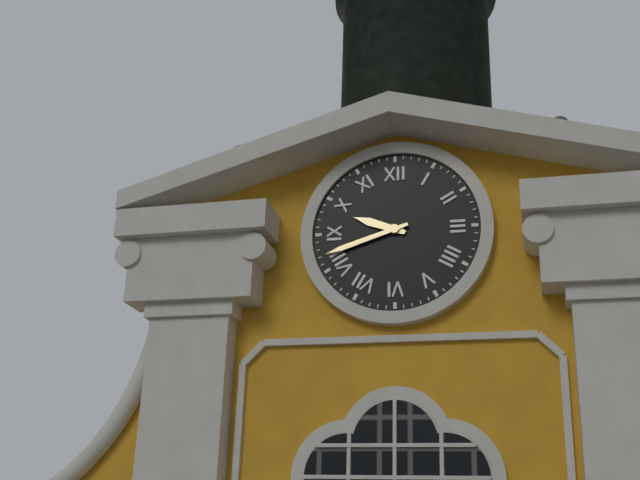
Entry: 9h42
